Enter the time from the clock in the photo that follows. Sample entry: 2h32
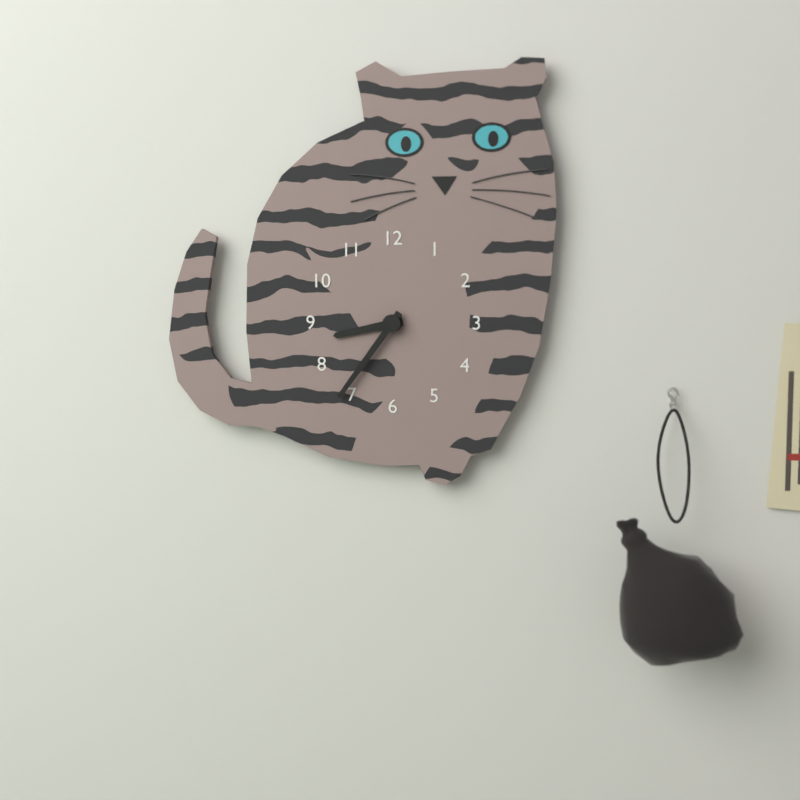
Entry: 8h36
